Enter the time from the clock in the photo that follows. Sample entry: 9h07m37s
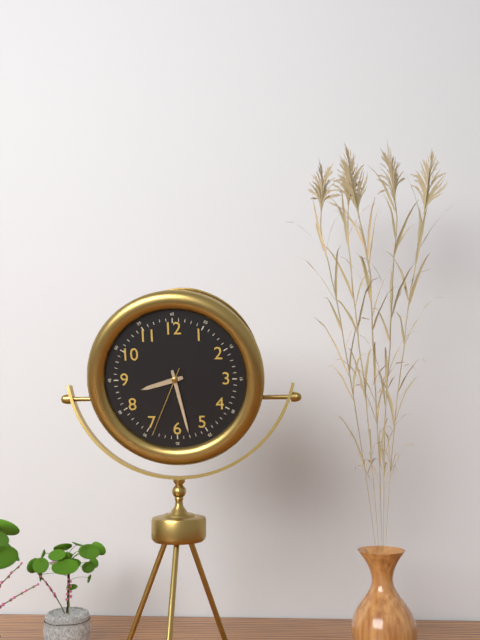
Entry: 8h28m34s
